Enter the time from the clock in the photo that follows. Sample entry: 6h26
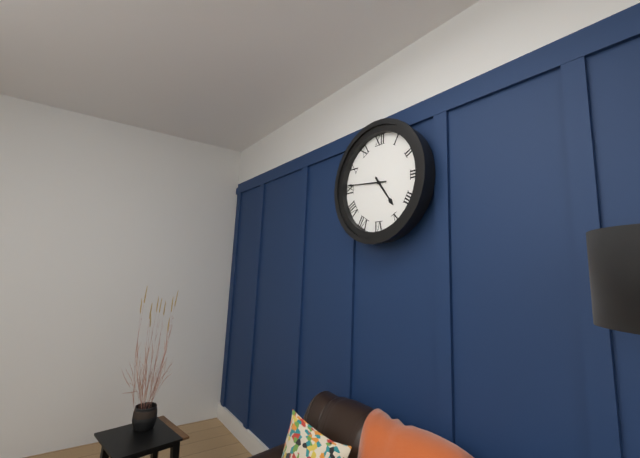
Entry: 4h46
